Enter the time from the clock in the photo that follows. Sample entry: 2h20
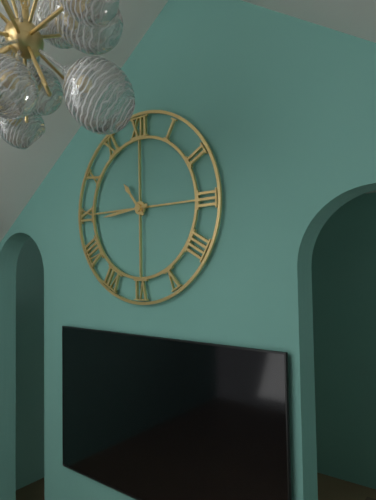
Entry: 10h44
